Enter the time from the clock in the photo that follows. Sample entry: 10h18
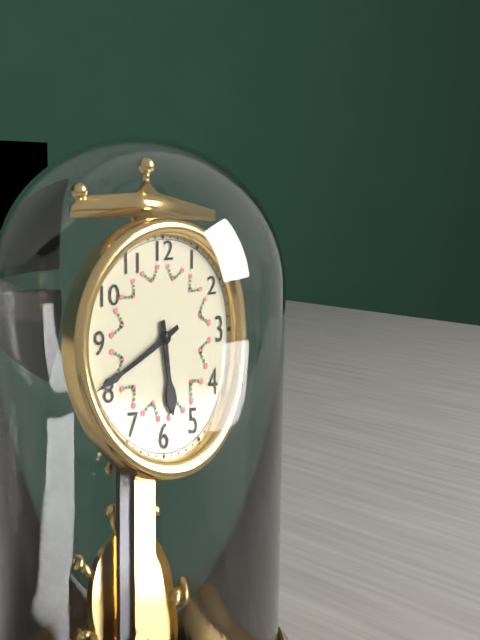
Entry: 5h41
